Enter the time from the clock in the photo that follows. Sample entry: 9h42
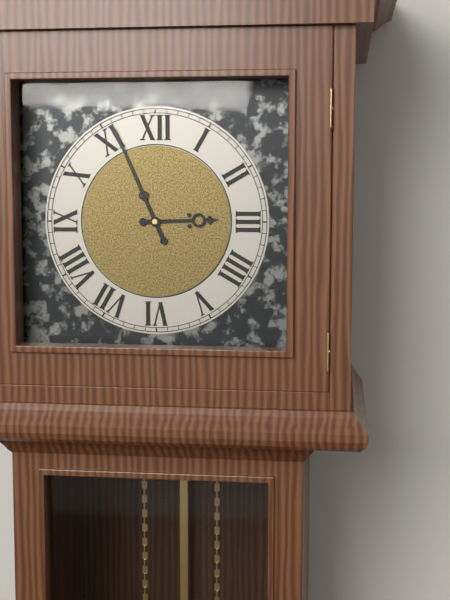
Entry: 2h56
